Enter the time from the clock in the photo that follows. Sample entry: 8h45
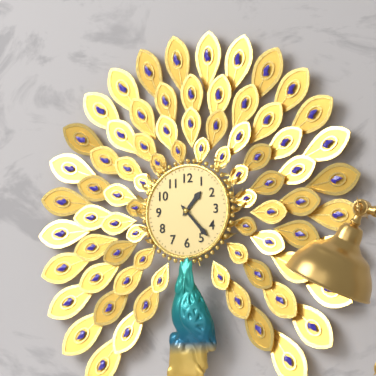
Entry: 1h23
